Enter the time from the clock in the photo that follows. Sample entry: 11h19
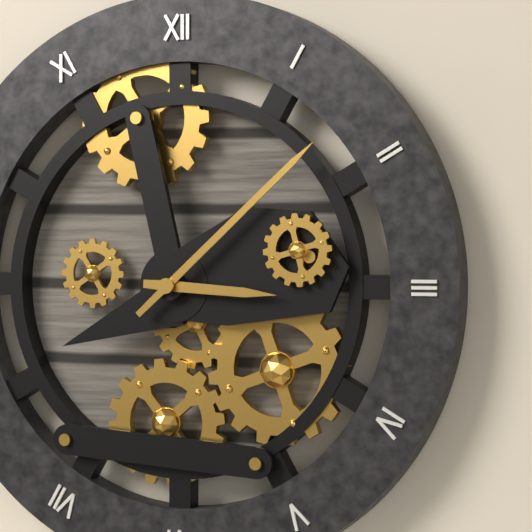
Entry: 3h08
